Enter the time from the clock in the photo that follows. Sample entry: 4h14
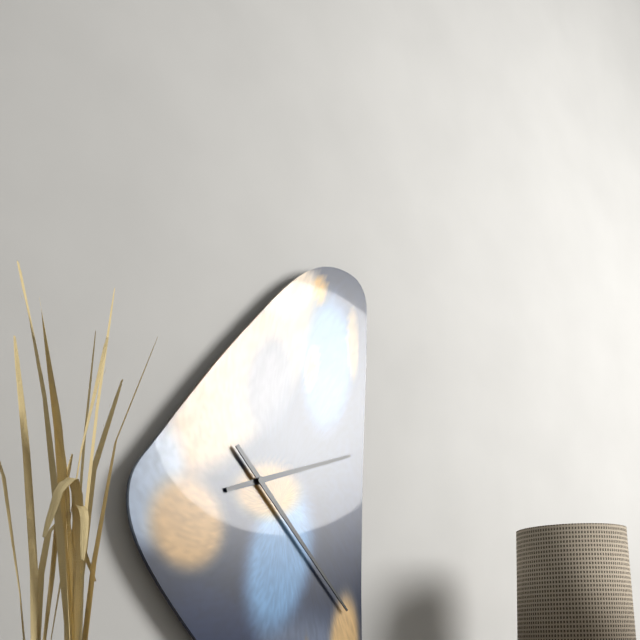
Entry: 2h23
